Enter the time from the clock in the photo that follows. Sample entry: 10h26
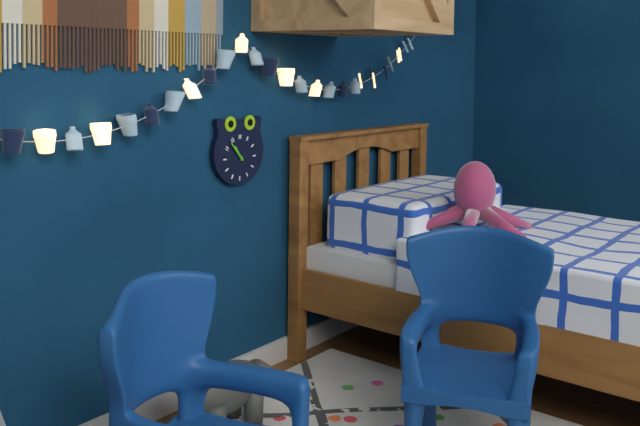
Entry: 10h53
